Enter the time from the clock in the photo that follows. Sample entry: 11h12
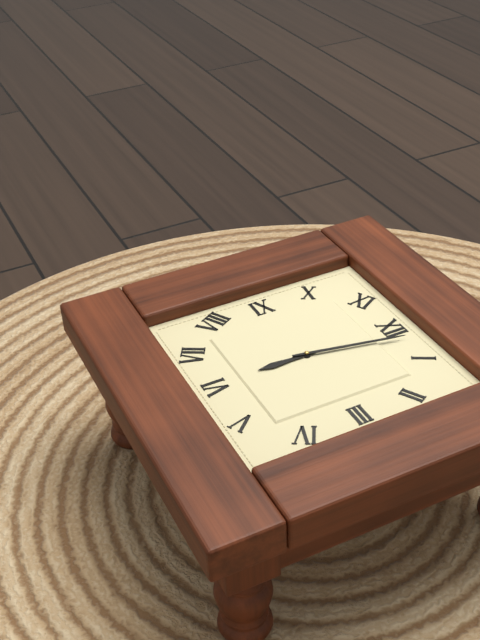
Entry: 6h02
